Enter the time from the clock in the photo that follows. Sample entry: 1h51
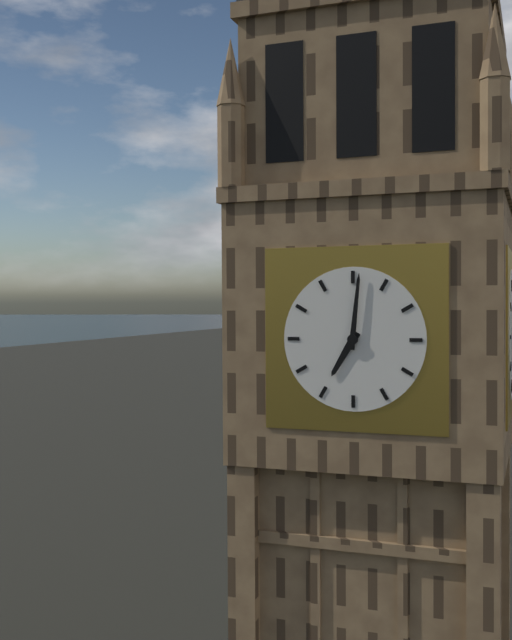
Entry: 7h01
